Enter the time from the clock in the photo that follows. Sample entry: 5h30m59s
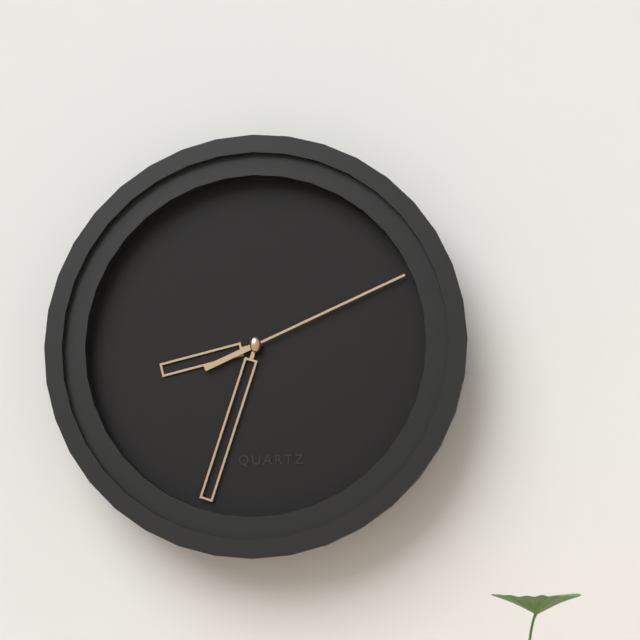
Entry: 8h33m11s
